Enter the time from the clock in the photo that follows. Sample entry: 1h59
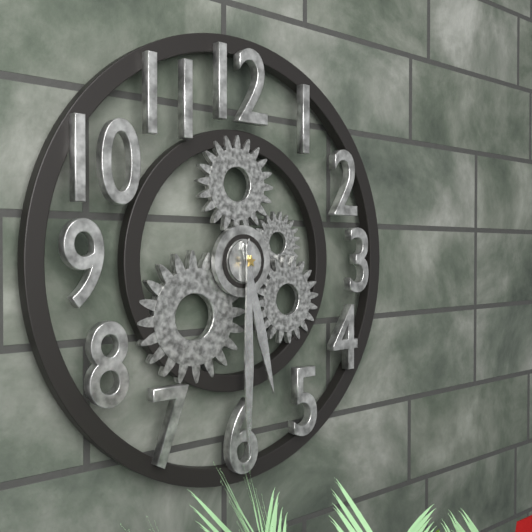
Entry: 5h30
